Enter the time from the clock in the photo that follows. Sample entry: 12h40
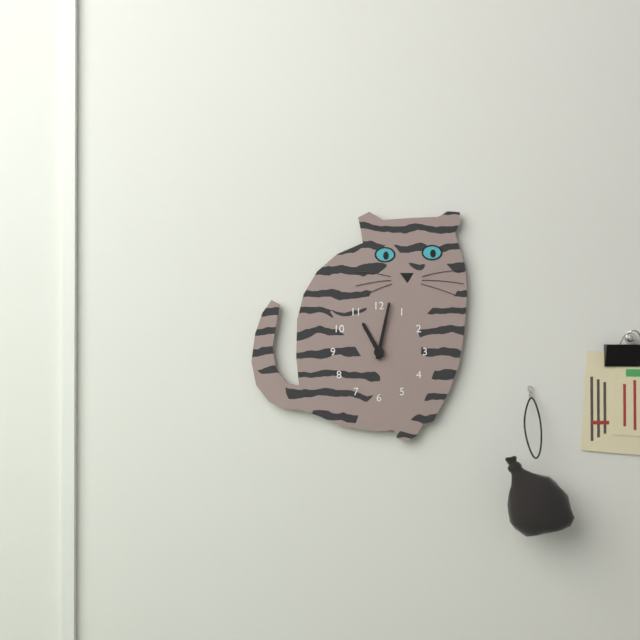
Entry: 11h02
